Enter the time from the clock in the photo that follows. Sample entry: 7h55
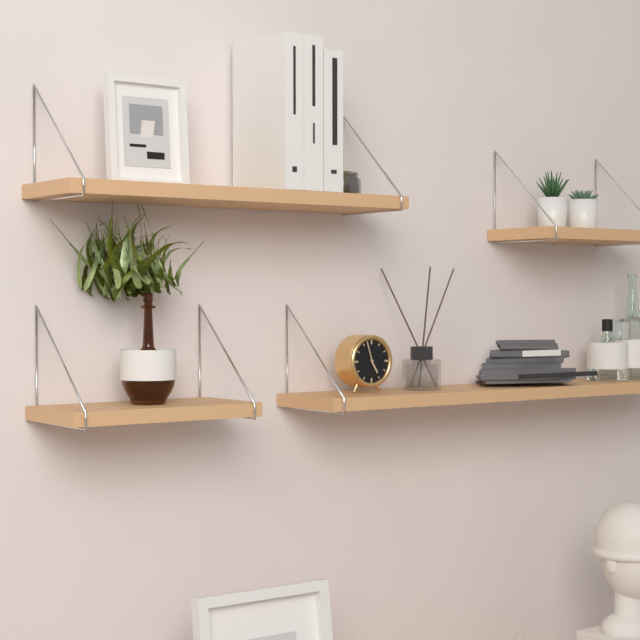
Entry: 4h57
